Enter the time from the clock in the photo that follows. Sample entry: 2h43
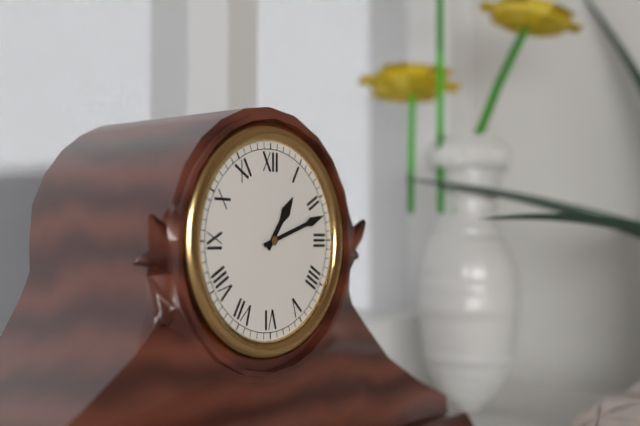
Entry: 1h12
